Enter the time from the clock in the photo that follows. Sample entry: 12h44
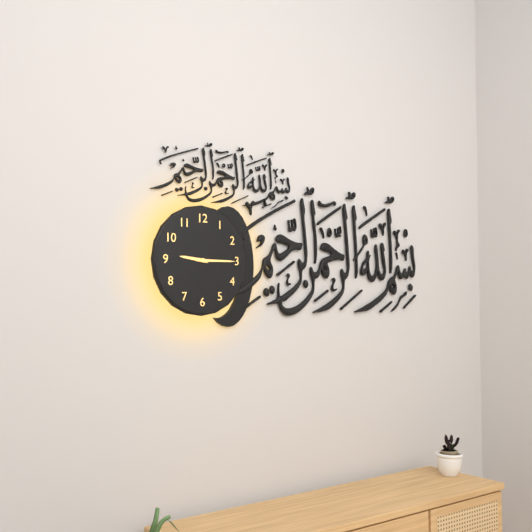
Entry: 9h15
